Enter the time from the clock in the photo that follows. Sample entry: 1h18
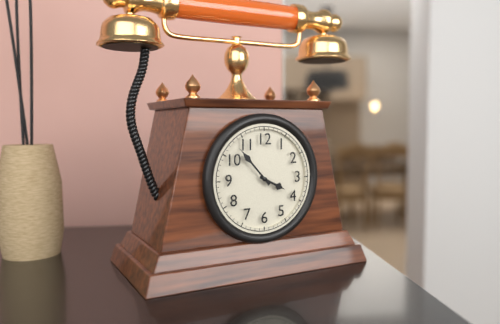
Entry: 3h53
